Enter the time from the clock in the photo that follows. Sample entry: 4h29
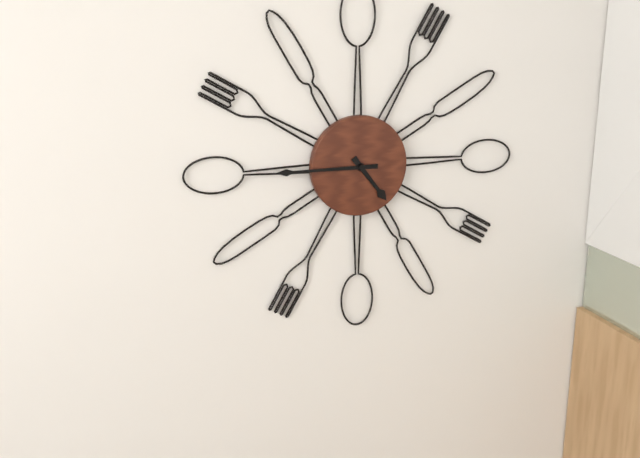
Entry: 4h45
